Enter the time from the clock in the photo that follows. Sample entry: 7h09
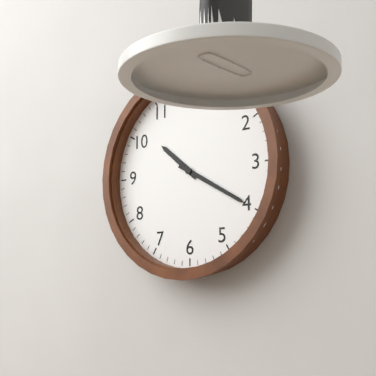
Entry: 10h20
